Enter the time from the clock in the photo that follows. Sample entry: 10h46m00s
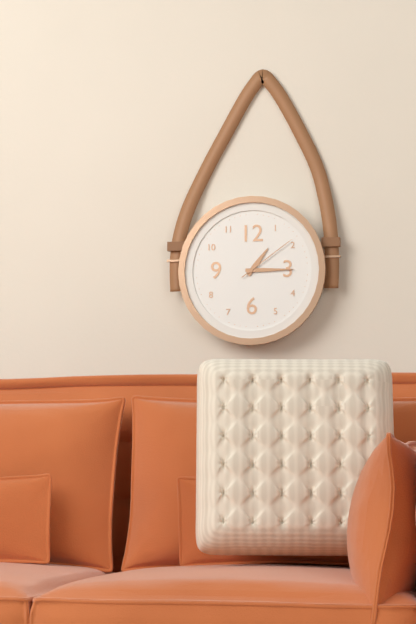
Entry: 1h15m09s
